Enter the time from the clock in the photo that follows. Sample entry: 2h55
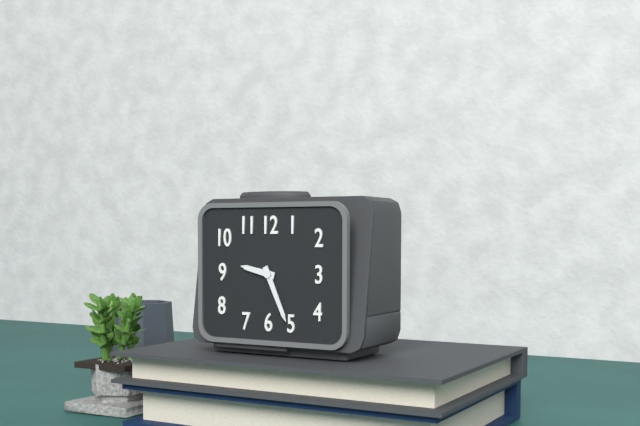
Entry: 9h26
